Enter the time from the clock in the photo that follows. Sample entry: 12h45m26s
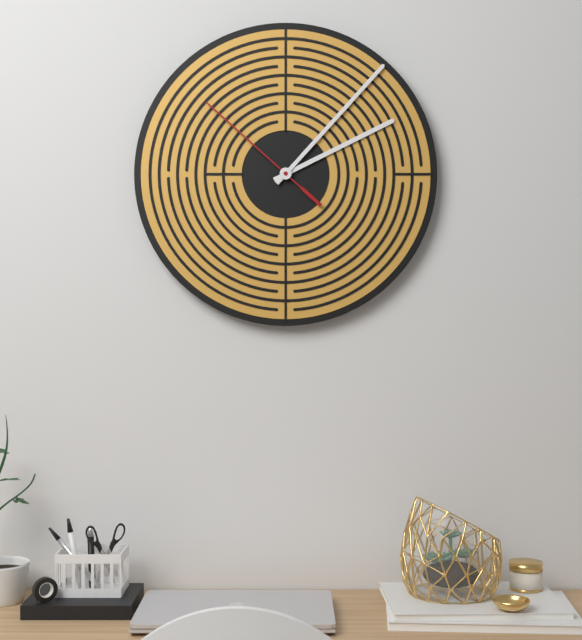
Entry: 2h07m52s
